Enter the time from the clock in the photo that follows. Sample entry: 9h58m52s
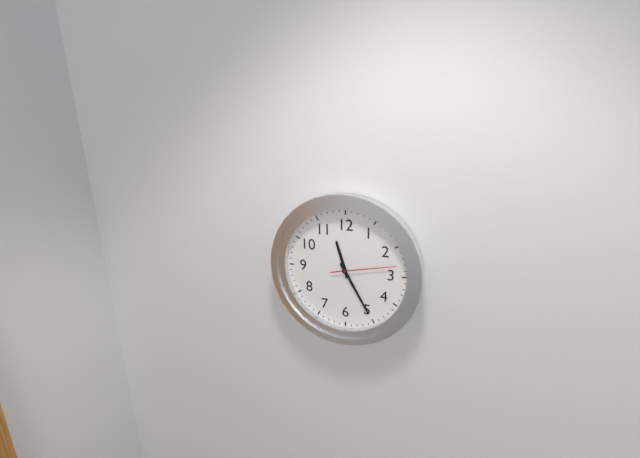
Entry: 11h25m13s
